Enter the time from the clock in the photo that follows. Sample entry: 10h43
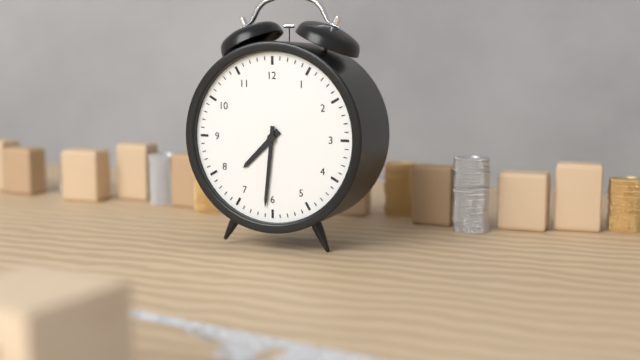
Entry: 7h31
